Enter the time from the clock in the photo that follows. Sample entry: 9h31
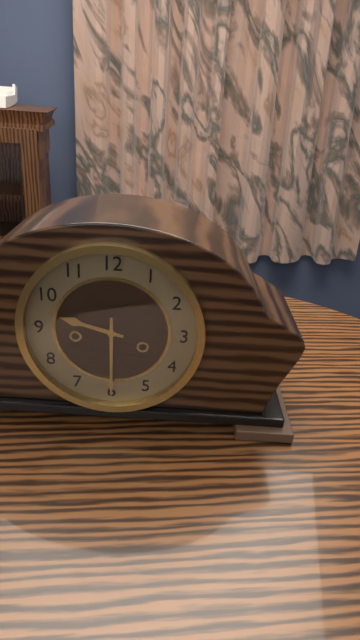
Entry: 9h30
